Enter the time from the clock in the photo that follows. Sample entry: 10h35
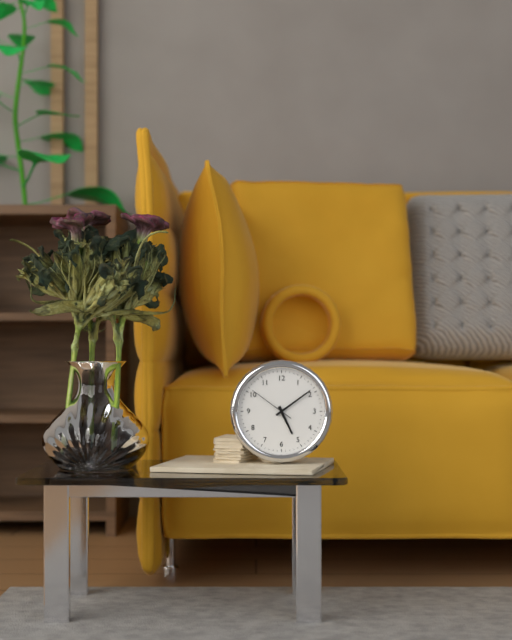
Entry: 5h09
